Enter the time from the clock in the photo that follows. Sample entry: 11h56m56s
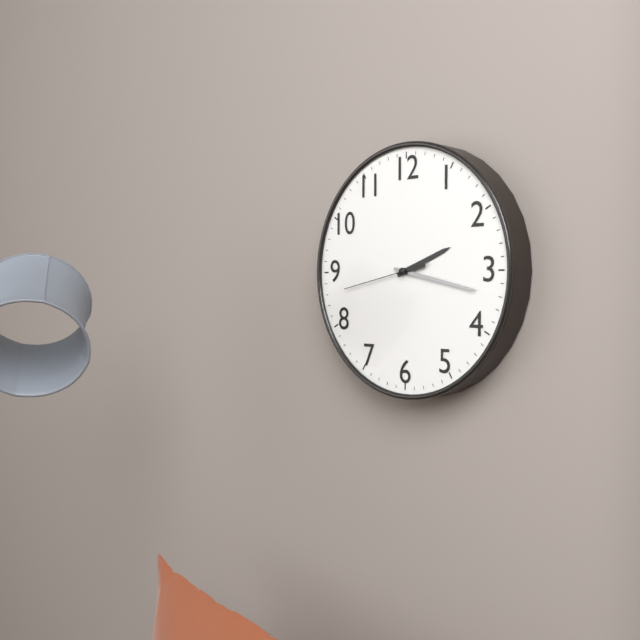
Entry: 2h17m43s
